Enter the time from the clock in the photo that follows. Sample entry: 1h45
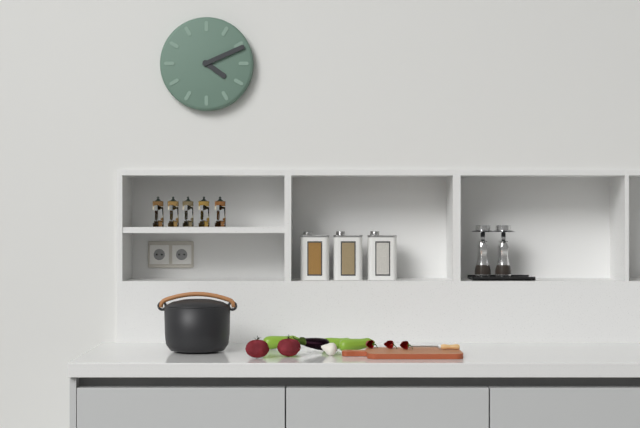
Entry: 4h11
